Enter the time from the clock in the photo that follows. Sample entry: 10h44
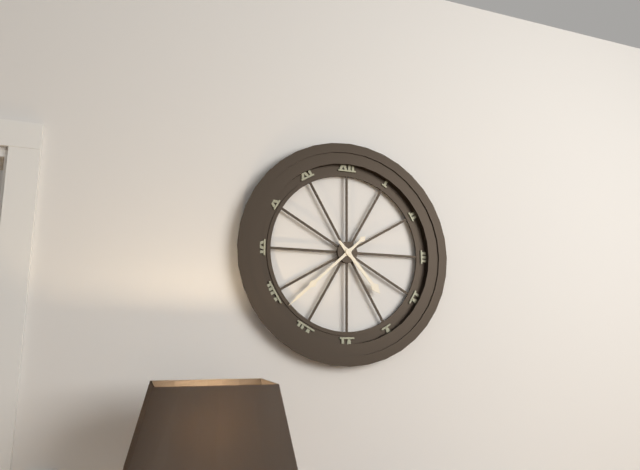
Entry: 4h38
